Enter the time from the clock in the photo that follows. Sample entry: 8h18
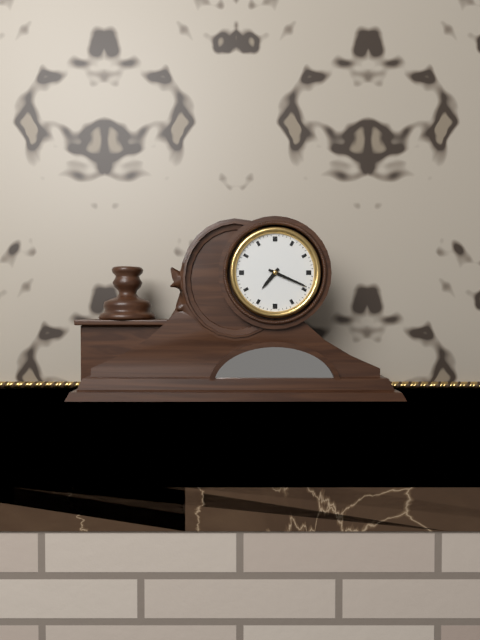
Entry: 7h19
